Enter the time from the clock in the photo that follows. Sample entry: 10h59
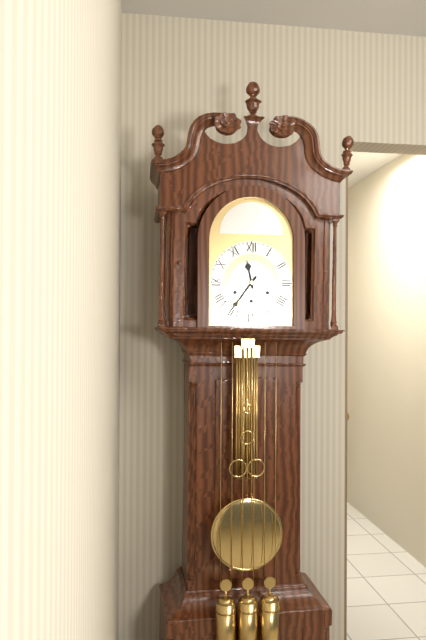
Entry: 11h36
